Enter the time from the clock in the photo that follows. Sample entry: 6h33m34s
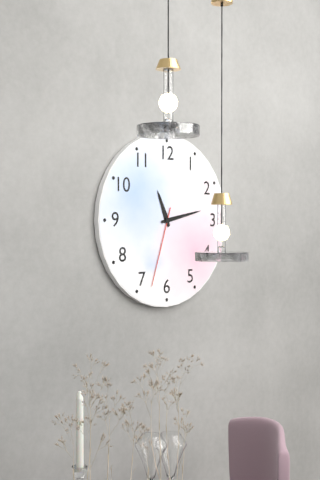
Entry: 11h13m33s
